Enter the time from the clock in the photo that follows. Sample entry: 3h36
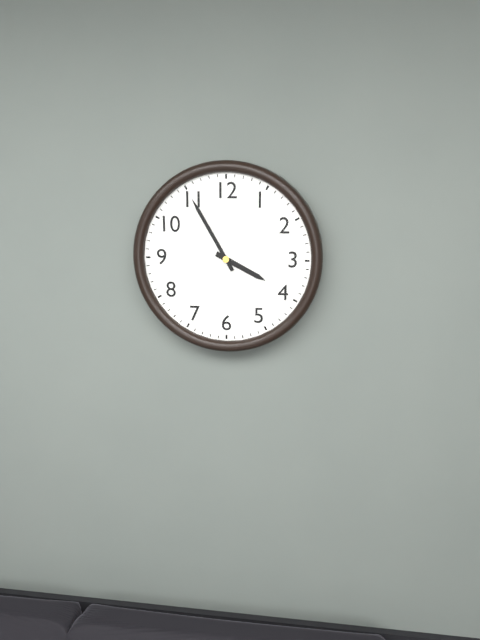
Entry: 3h55
